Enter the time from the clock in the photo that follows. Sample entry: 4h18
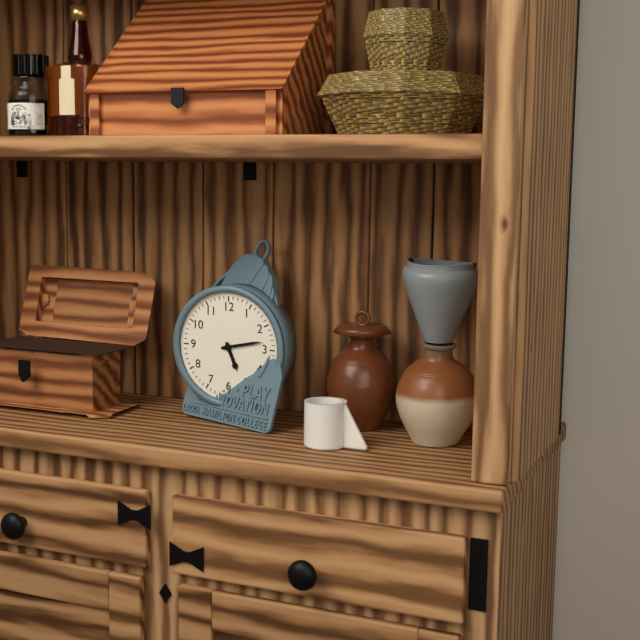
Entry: 5h13
